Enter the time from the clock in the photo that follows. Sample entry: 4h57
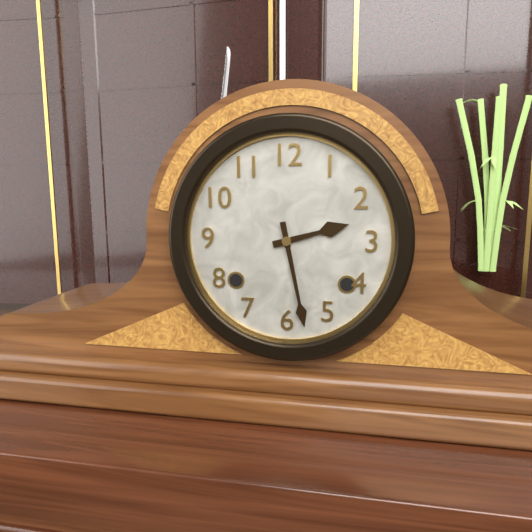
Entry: 2h28
